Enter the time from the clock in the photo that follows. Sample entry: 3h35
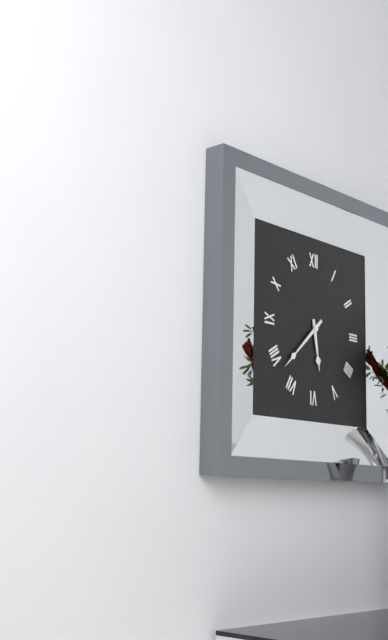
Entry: 5h38
